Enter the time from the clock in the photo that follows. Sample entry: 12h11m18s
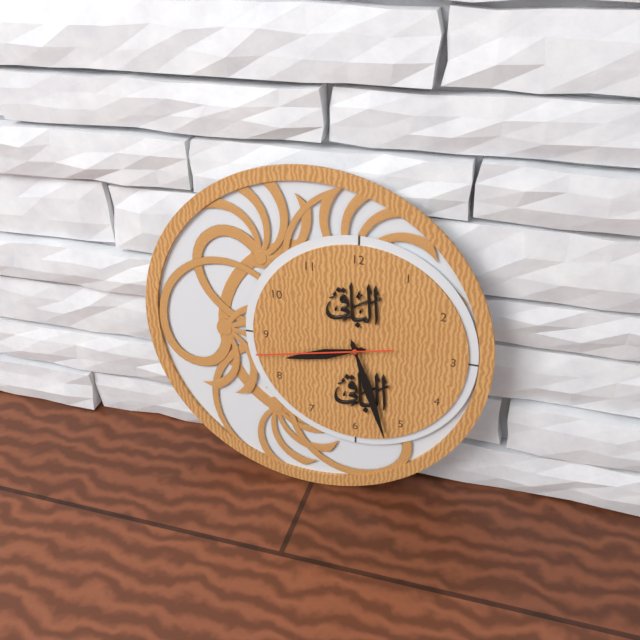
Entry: 8h27m43s
